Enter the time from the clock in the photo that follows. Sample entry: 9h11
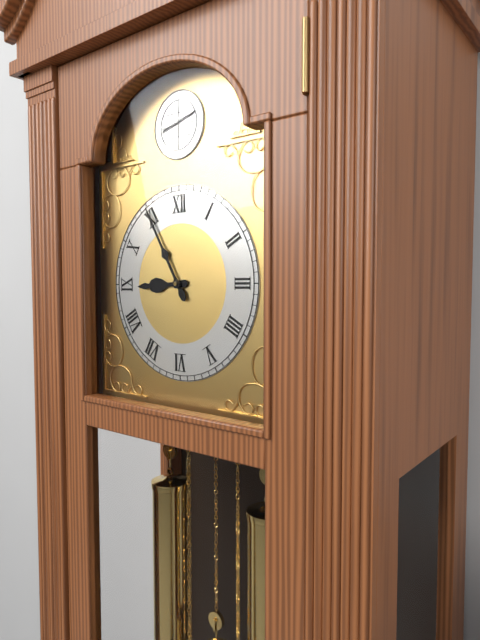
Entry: 8h55
